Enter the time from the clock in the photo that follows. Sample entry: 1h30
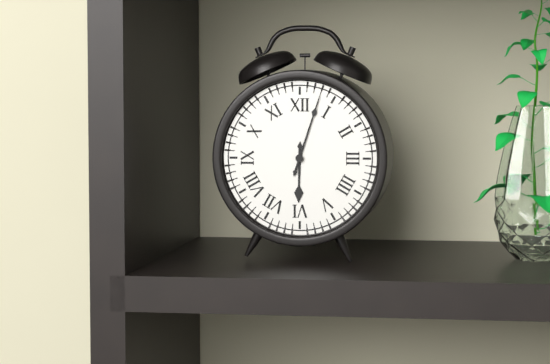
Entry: 6h03
